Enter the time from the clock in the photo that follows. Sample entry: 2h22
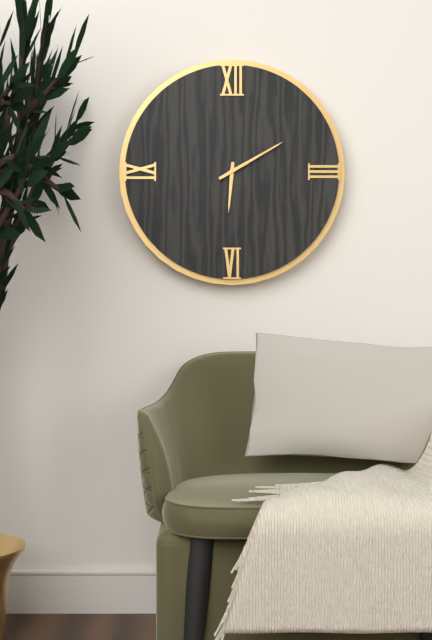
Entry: 6h10
